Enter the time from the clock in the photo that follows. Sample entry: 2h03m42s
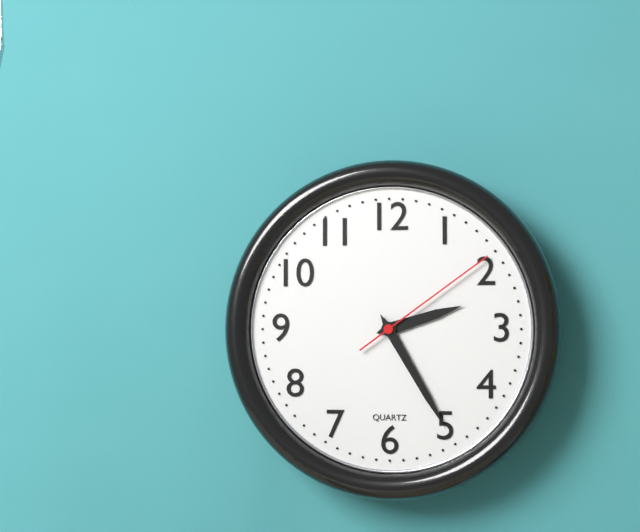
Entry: 2h25m09s
